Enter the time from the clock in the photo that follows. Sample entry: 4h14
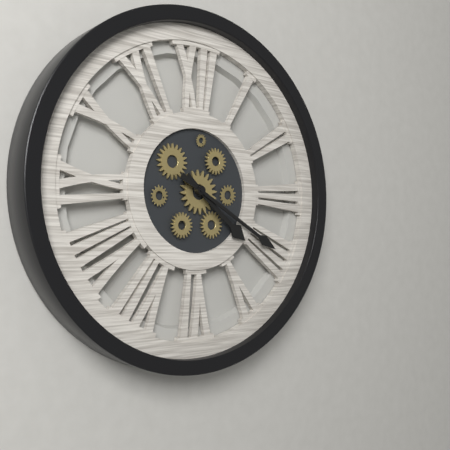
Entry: 4h20
